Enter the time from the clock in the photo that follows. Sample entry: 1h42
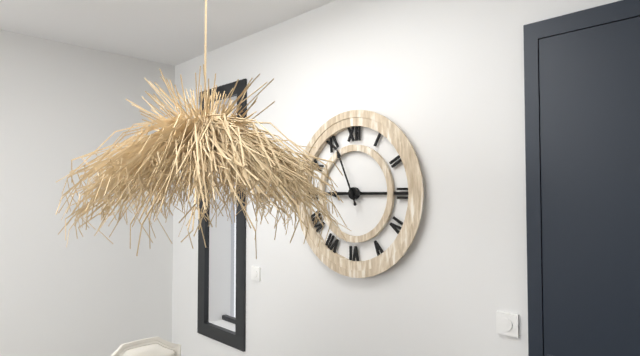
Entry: 8h56
